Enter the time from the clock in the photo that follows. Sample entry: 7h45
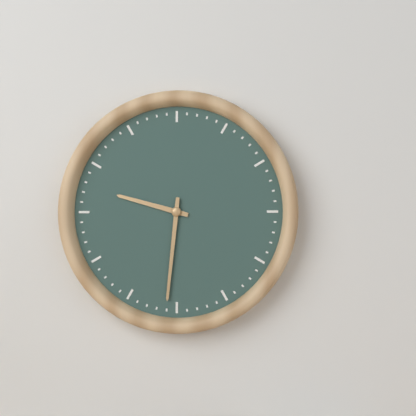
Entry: 9h31
